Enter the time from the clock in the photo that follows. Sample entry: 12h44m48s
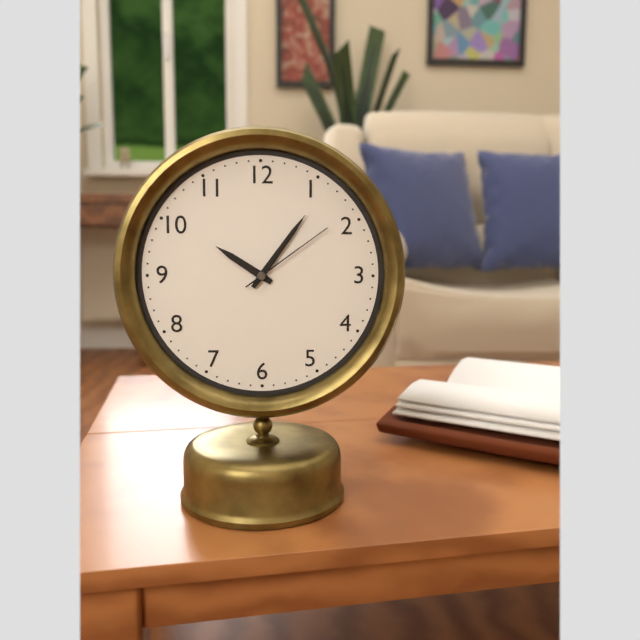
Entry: 10h06m09s
